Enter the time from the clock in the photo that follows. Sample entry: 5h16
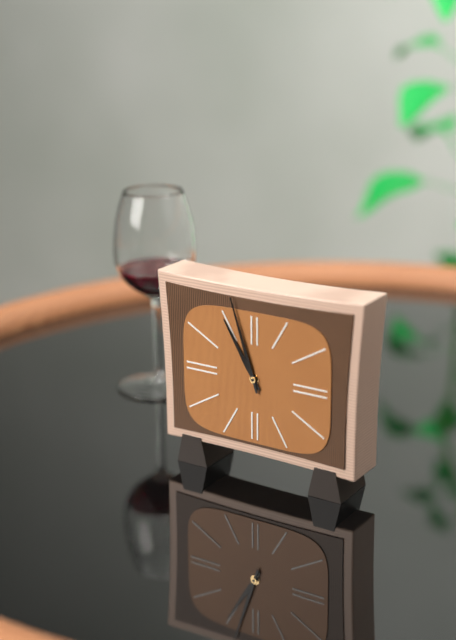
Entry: 10h57
